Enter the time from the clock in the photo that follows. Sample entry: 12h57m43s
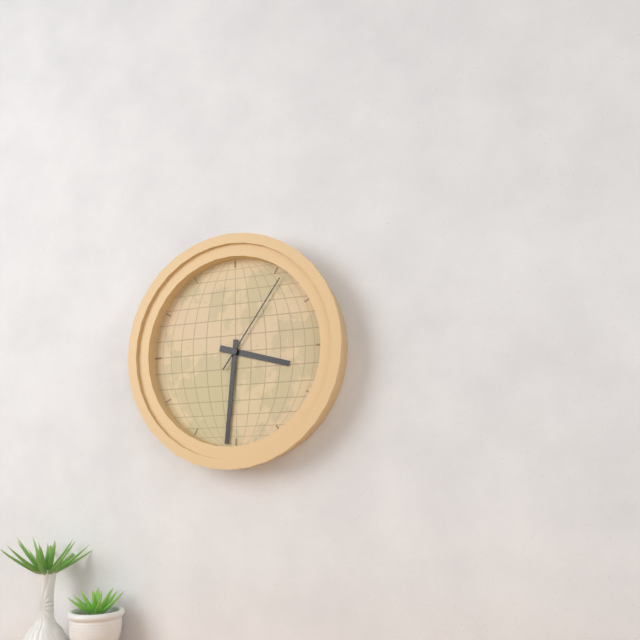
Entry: 3h31m06s
